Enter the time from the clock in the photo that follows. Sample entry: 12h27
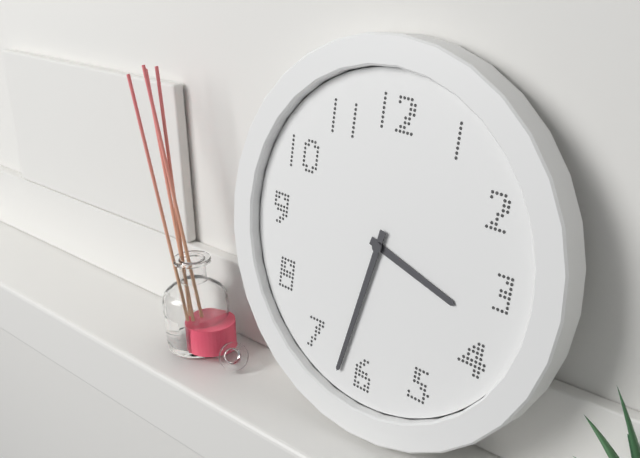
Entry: 3h32
